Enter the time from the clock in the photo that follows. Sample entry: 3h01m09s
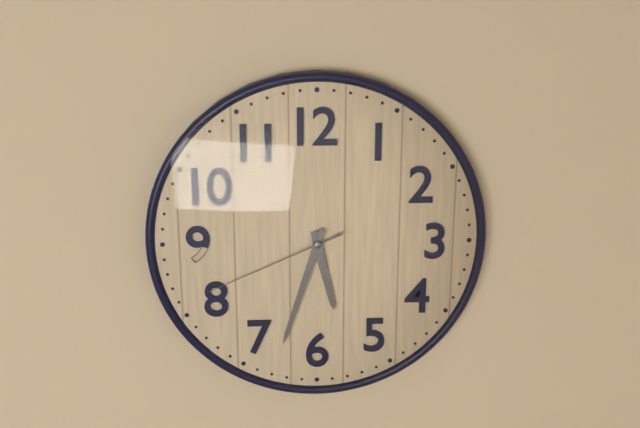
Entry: 5h33m41s
